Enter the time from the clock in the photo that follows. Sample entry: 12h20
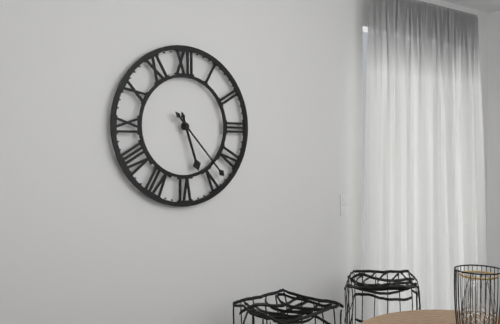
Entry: 5h23
